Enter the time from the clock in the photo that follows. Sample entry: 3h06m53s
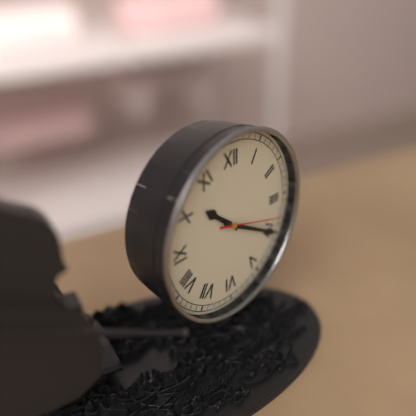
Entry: 10h20m18s
